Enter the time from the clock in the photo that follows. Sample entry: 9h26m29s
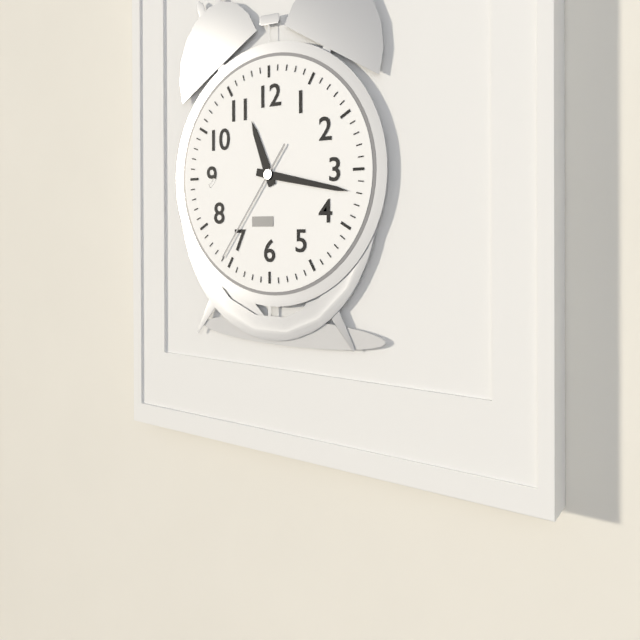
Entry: 11h17m36s
